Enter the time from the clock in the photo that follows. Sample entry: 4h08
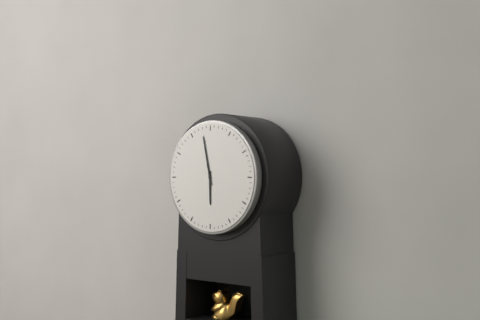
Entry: 5h58
